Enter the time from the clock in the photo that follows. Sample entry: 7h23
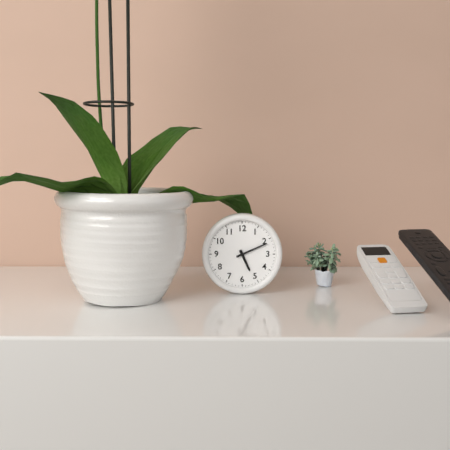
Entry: 5h11
